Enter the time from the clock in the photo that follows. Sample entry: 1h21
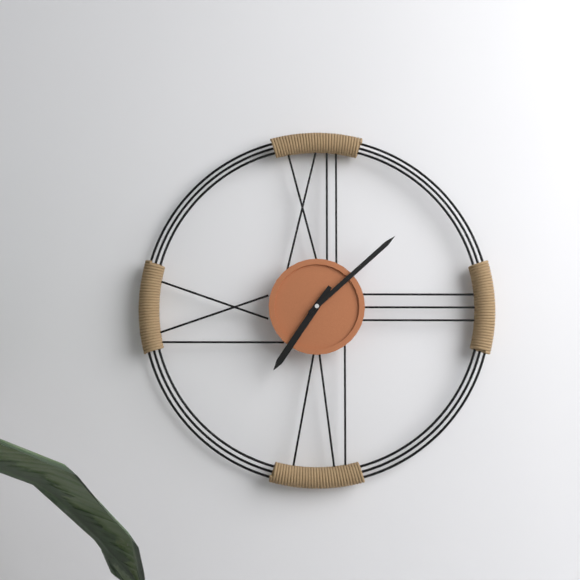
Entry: 7h08
